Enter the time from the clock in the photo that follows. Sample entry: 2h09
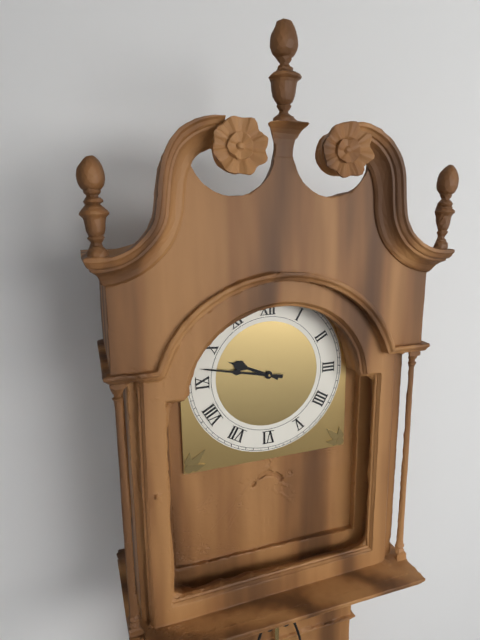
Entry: 9h47
